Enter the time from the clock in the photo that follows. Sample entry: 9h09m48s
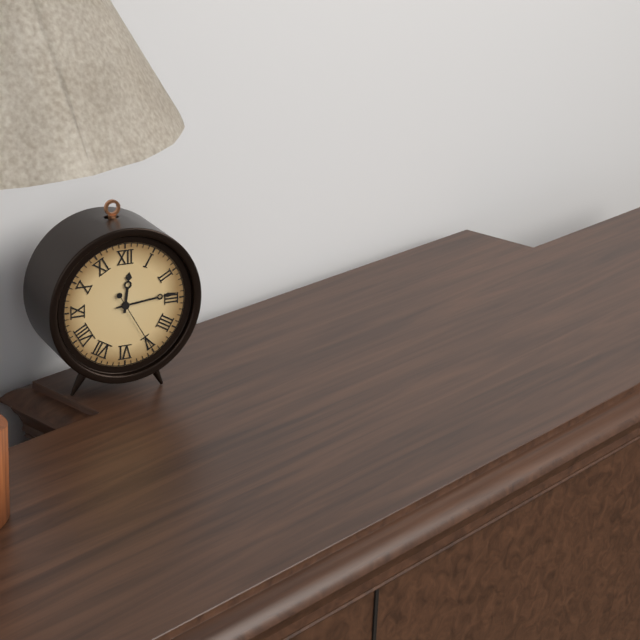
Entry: 12h14m25s
